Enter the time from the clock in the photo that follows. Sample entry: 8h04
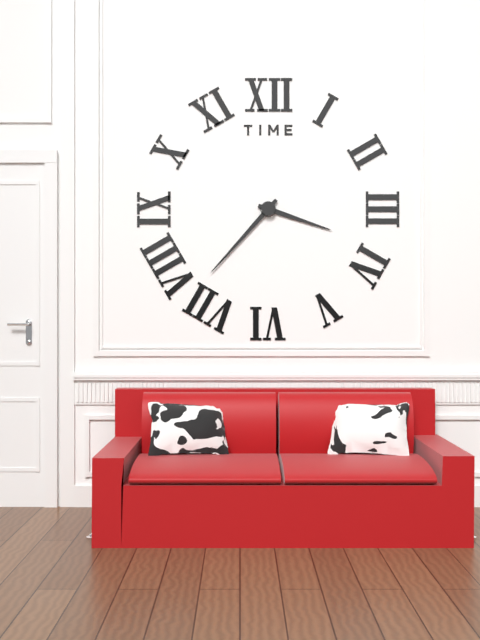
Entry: 3h37
